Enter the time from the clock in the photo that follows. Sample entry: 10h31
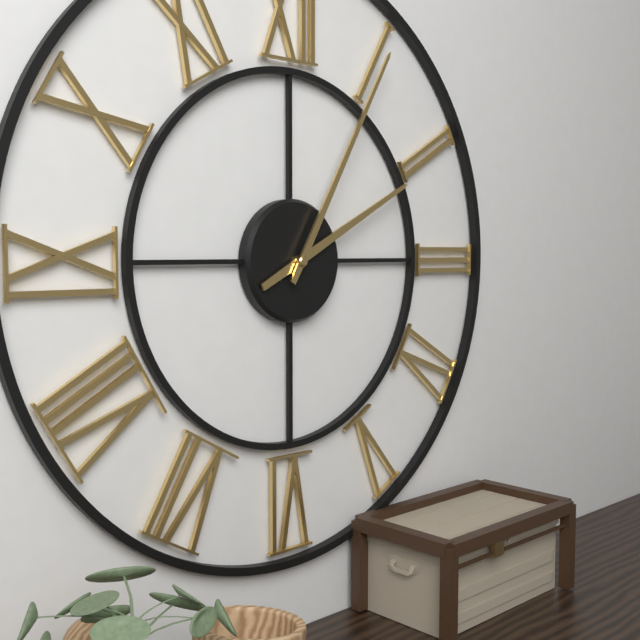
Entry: 2h05
